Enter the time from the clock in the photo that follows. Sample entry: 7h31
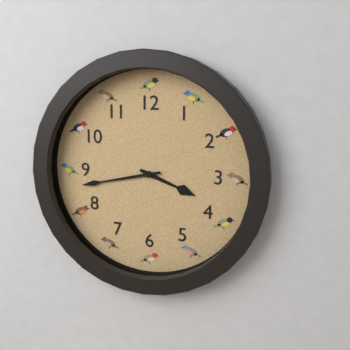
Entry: 3h43
